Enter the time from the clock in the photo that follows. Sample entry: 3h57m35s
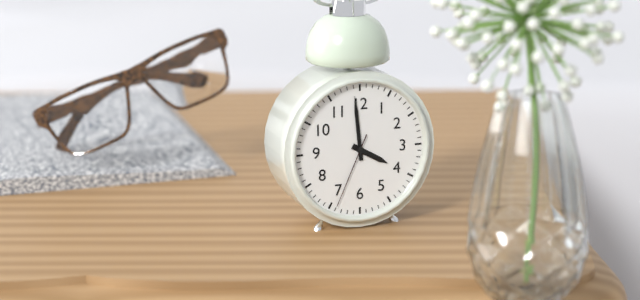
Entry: 3h59m34s
